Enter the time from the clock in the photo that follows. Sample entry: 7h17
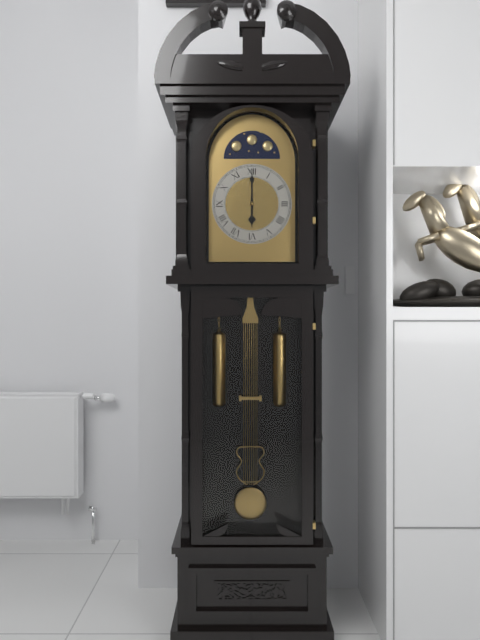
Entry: 6h00
